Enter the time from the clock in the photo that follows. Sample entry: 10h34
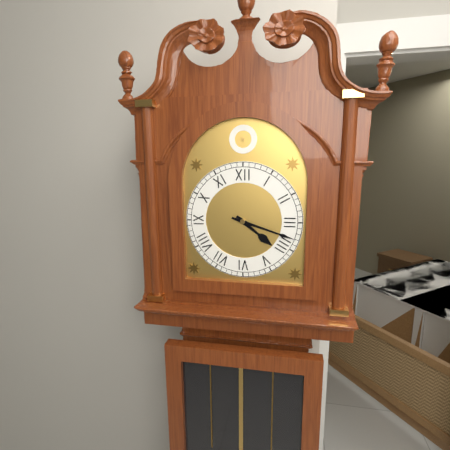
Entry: 4h18
